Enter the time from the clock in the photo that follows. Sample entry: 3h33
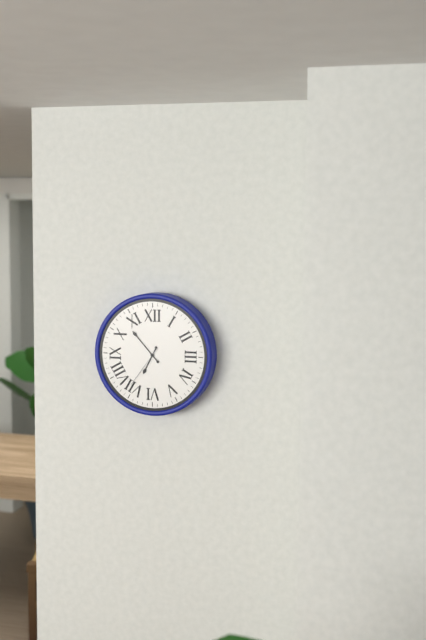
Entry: 6h53
